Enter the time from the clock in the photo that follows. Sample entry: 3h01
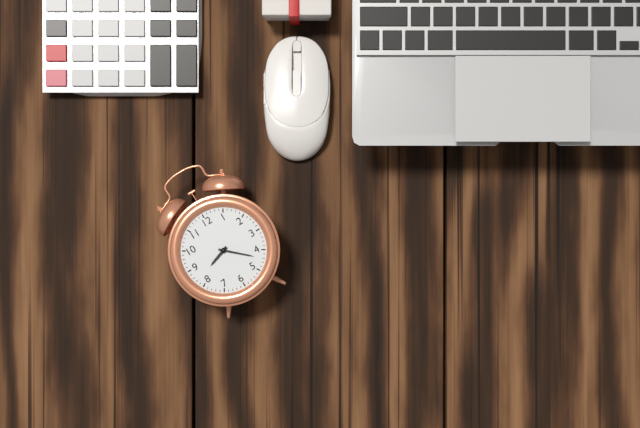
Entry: 8h22
